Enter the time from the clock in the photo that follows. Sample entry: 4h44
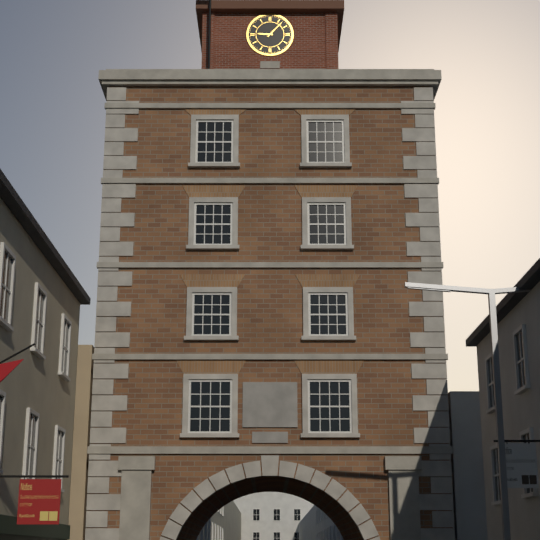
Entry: 9h07
